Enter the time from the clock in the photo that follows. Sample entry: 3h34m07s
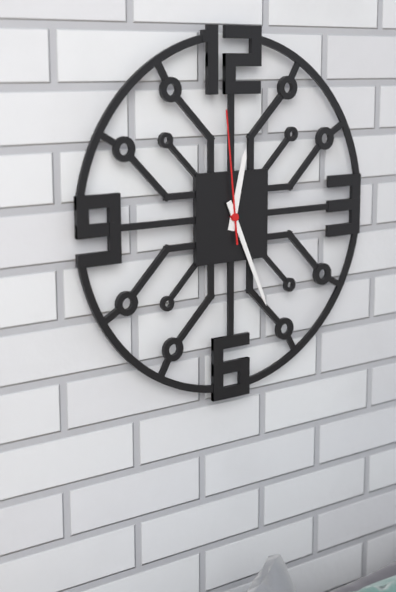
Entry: 12h26m59s
